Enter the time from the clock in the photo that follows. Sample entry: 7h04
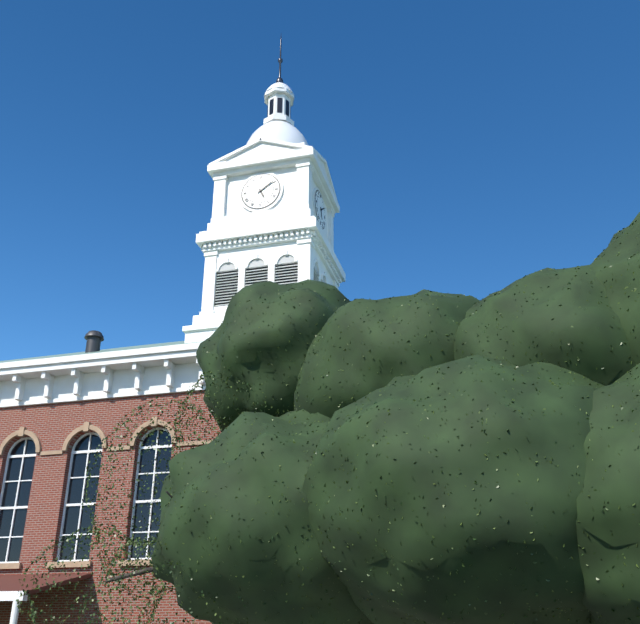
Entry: 5h09
